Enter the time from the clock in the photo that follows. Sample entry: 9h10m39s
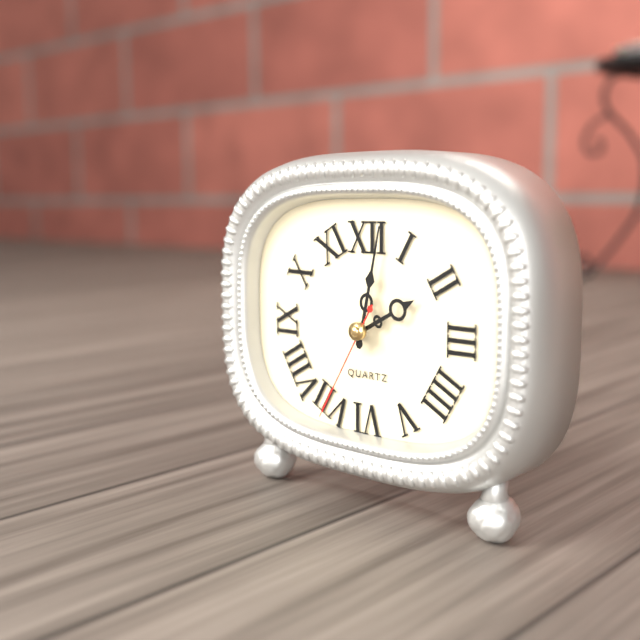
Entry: 2h02m35s
